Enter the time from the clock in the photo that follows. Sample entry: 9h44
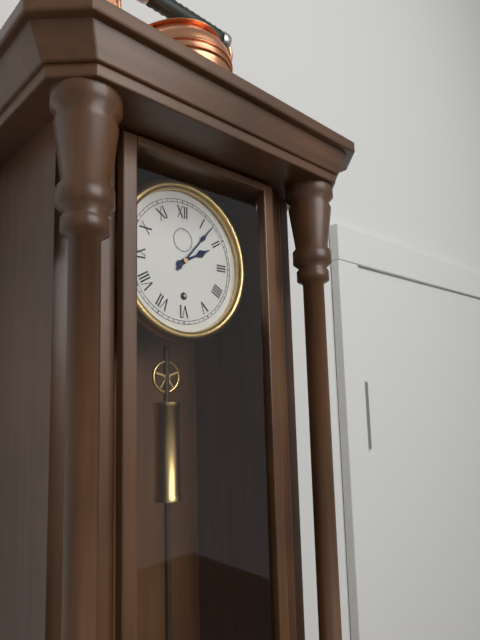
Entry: 2h07
